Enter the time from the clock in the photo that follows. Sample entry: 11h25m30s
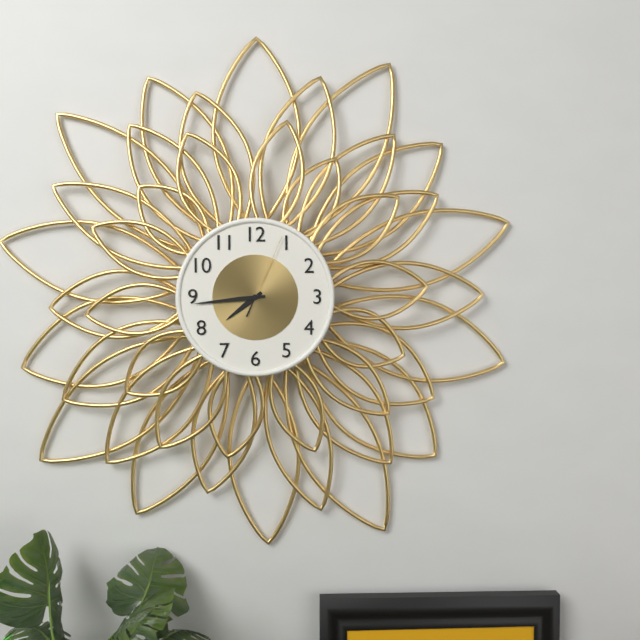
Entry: 7h44m04s
